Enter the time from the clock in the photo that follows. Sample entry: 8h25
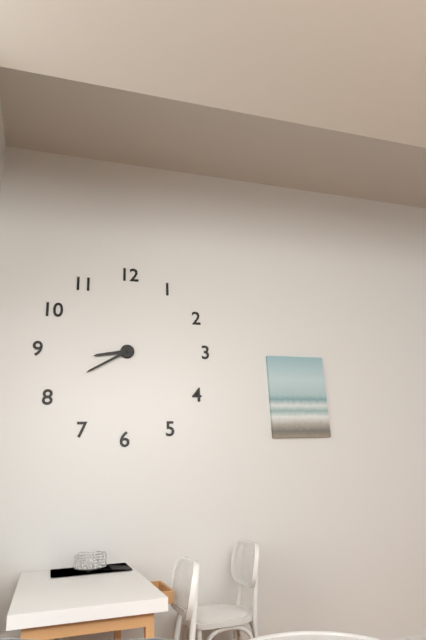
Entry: 8h40
